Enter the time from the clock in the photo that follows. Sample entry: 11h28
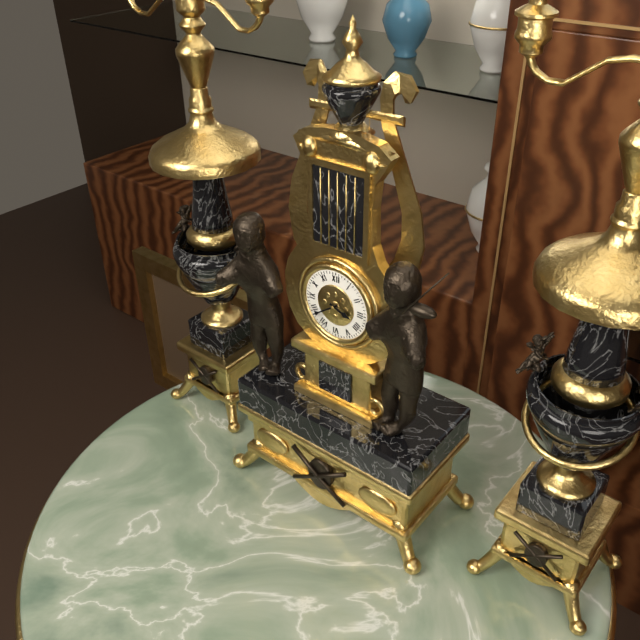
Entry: 3h39
